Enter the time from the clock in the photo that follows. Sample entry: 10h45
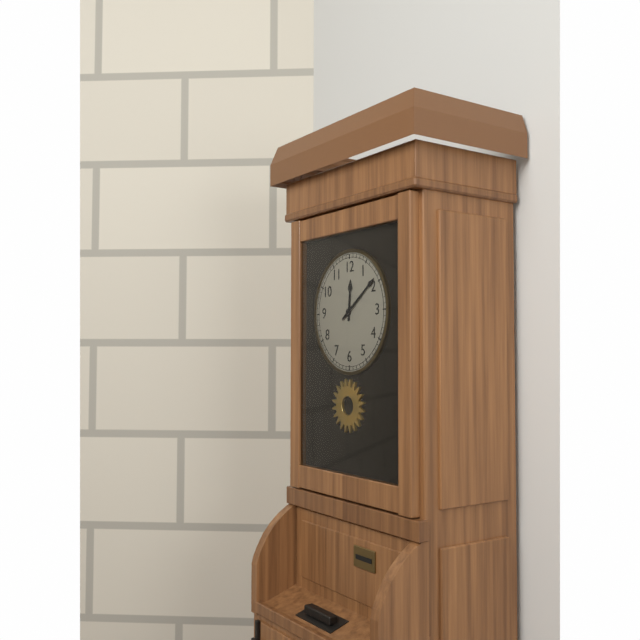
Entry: 12h09
